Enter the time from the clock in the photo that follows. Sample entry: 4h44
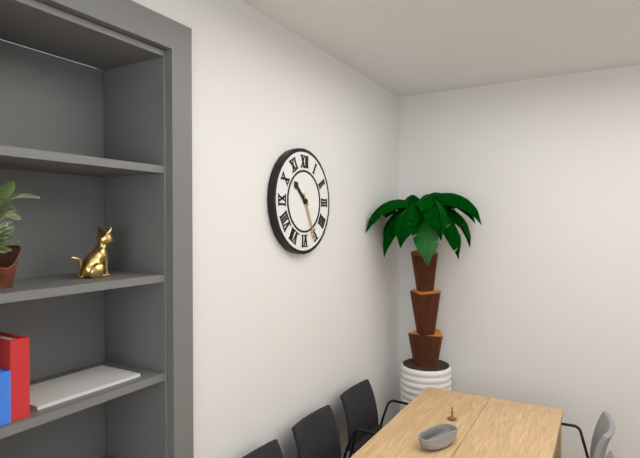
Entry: 10h26
